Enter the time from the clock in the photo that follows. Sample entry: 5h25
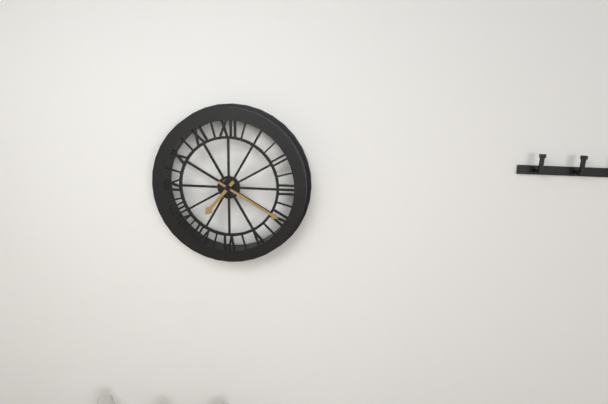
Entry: 7h20
